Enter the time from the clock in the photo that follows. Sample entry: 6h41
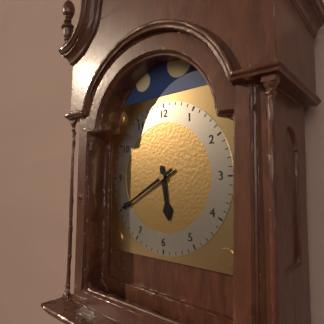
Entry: 5h40
